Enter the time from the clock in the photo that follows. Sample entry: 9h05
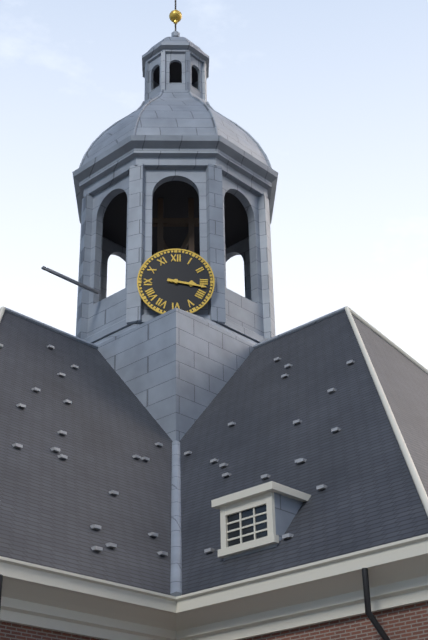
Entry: 3h17
